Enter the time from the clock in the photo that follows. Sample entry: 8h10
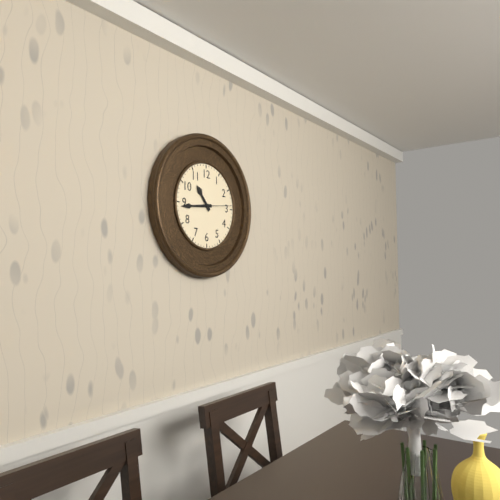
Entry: 10h44
